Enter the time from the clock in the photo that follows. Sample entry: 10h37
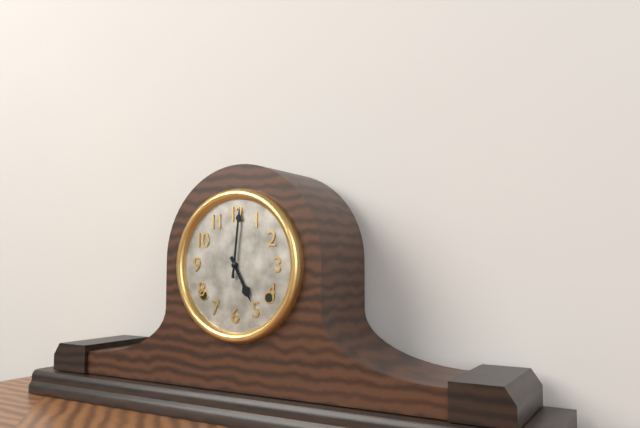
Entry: 5h01
